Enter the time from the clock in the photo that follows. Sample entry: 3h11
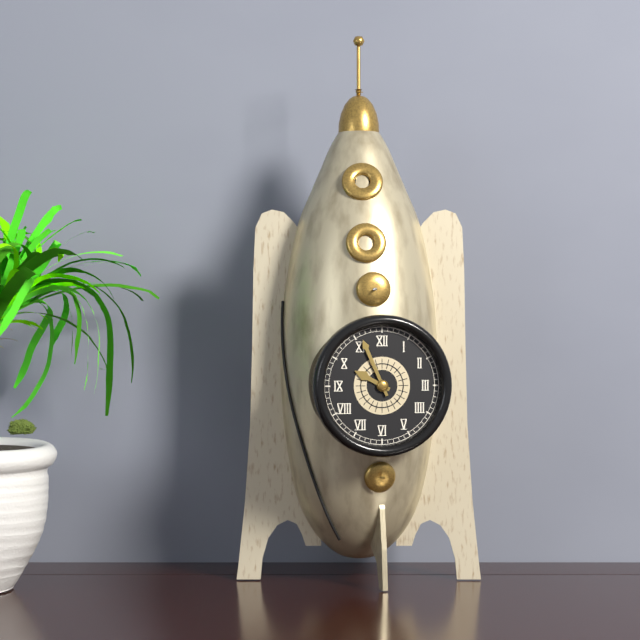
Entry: 9h56
